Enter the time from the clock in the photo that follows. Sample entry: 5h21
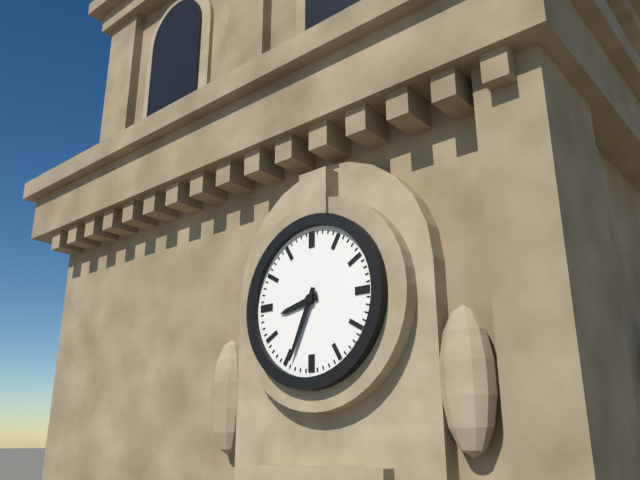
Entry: 8h34
